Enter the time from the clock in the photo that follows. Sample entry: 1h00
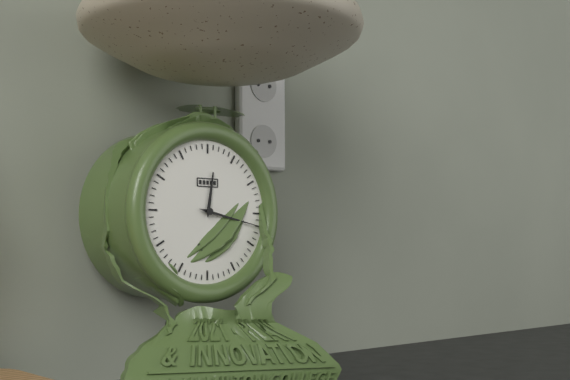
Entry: 12h17
